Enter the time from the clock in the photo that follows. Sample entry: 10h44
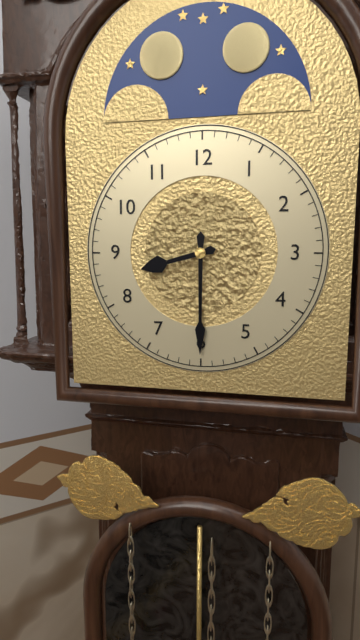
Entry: 8h30
